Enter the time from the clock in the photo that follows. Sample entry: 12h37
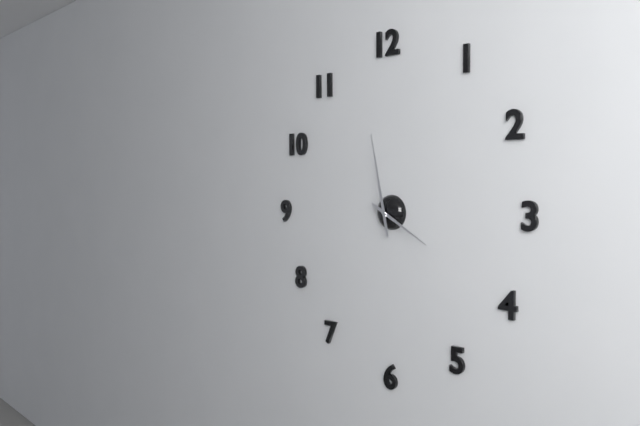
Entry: 3h58
